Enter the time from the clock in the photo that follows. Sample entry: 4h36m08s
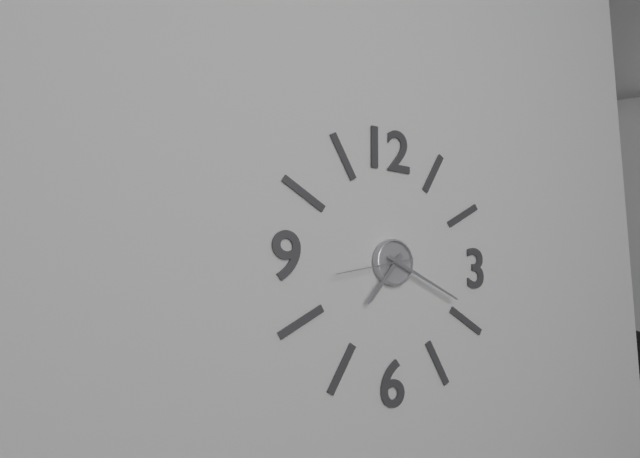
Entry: 7h19m43s
